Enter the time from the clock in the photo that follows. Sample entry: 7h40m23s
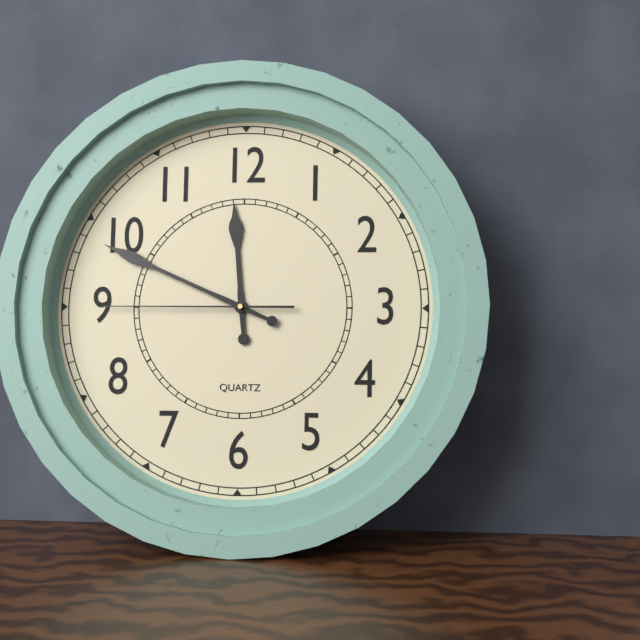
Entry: 11h49m45s
